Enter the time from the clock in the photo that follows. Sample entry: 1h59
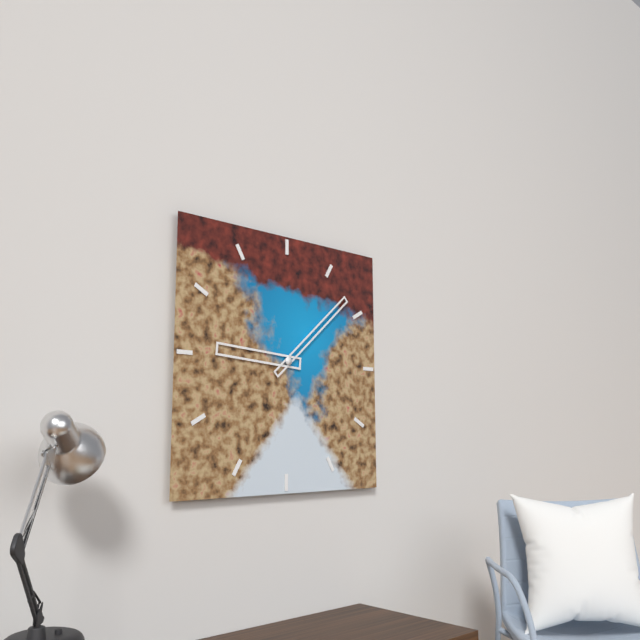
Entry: 9h08
